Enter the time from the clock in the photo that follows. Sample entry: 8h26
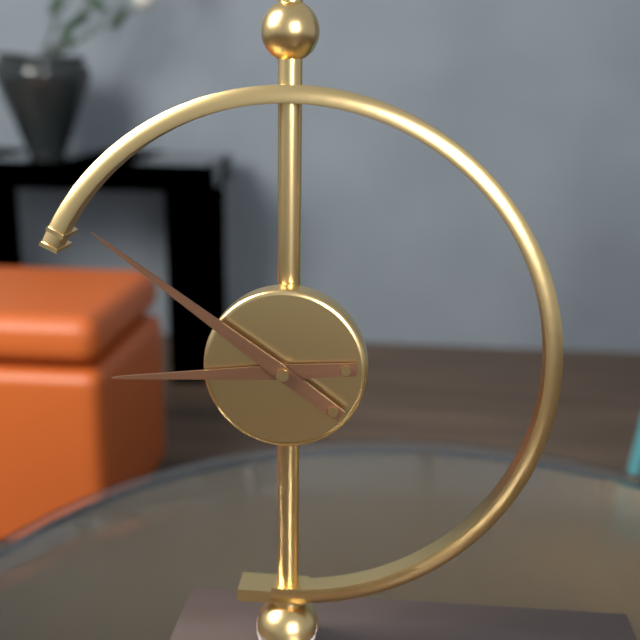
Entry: 8h51
